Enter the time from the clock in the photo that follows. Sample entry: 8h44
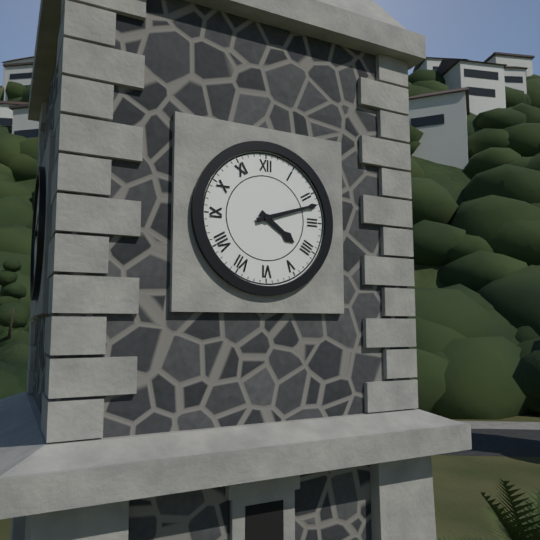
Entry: 4h12
